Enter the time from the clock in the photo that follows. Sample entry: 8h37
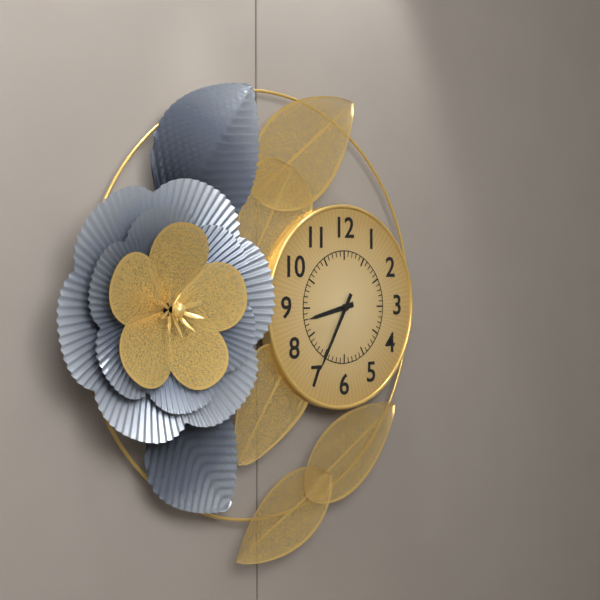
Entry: 8h35
